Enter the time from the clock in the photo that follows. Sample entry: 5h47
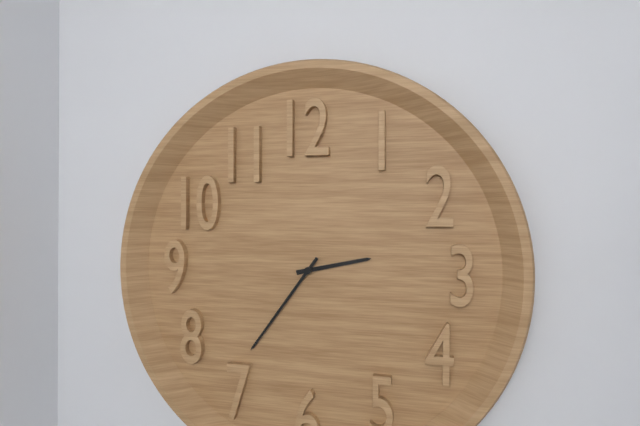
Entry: 2h36
